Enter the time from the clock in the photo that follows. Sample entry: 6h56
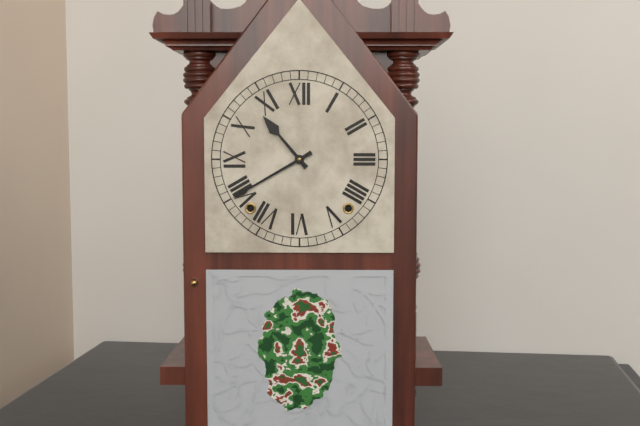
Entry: 10h40
